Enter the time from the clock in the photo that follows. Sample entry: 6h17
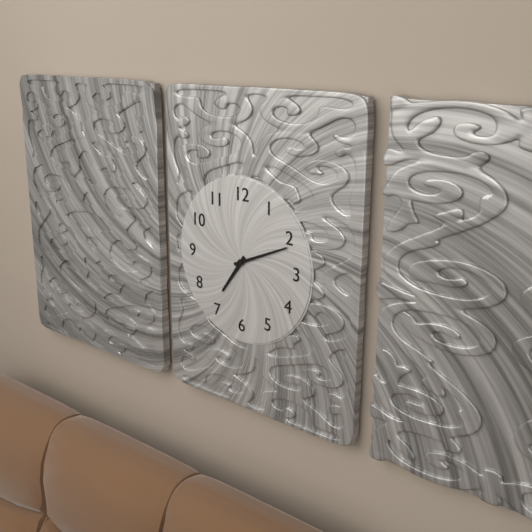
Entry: 7h11
